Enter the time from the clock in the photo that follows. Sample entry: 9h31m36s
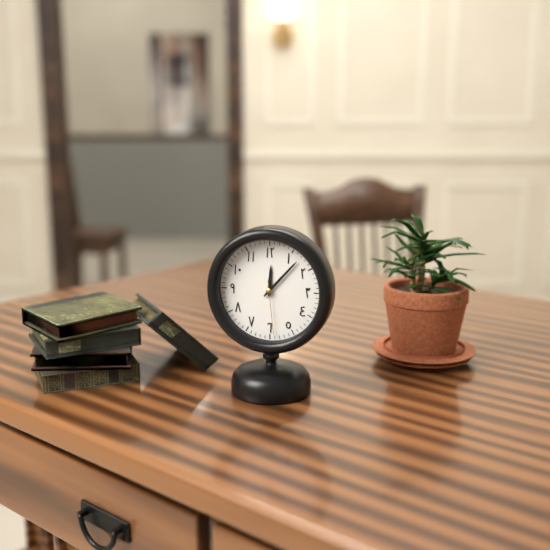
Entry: 12h07m29s
